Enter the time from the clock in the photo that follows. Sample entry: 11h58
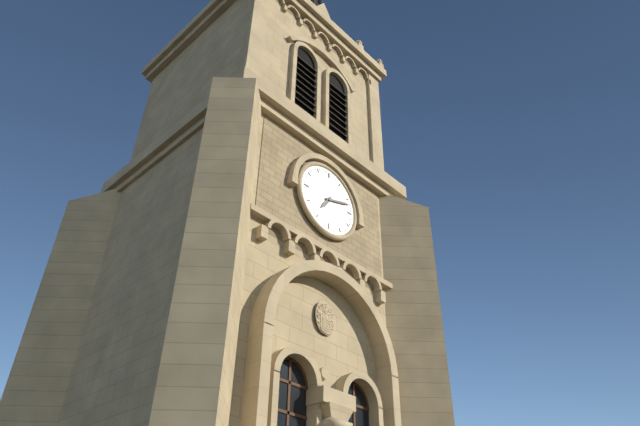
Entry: 7h12
